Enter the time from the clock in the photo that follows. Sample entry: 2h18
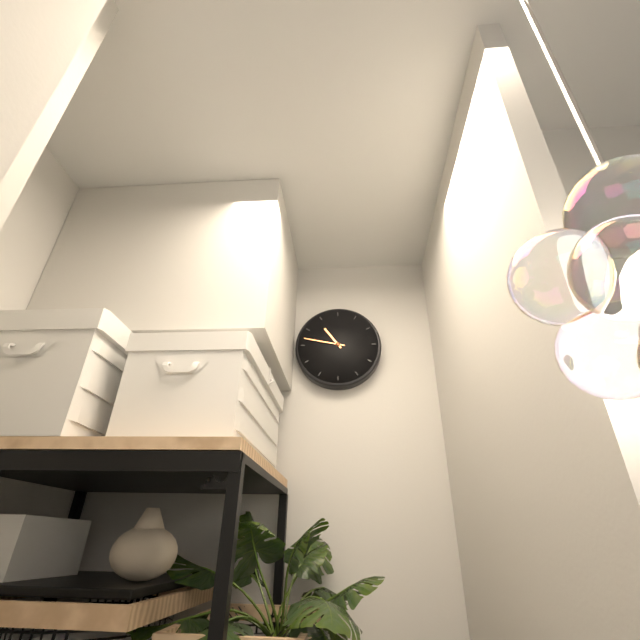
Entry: 10h47
